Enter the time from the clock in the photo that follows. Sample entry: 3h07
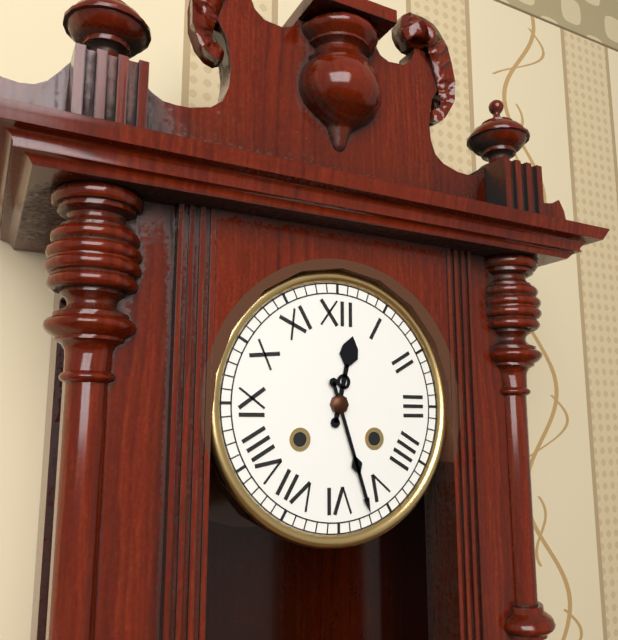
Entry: 12h27
